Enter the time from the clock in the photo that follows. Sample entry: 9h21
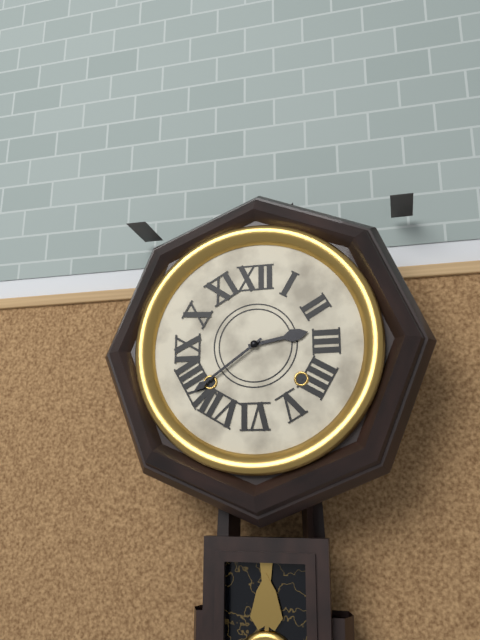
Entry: 2h39
